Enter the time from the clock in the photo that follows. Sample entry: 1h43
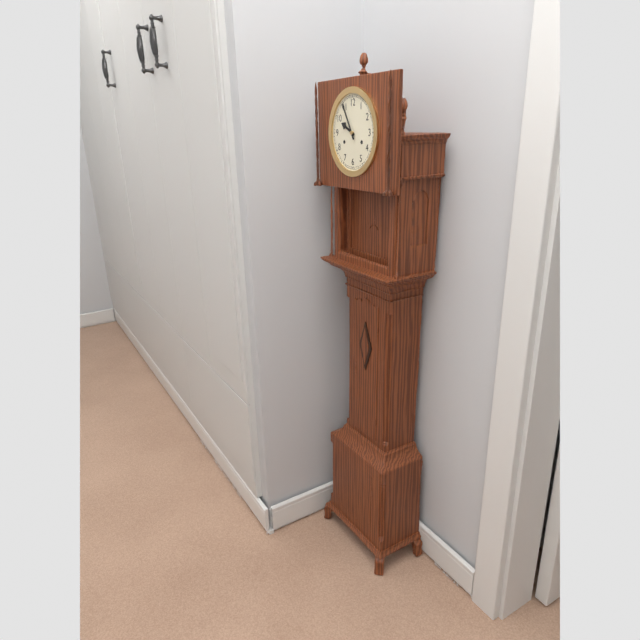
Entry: 9h55
